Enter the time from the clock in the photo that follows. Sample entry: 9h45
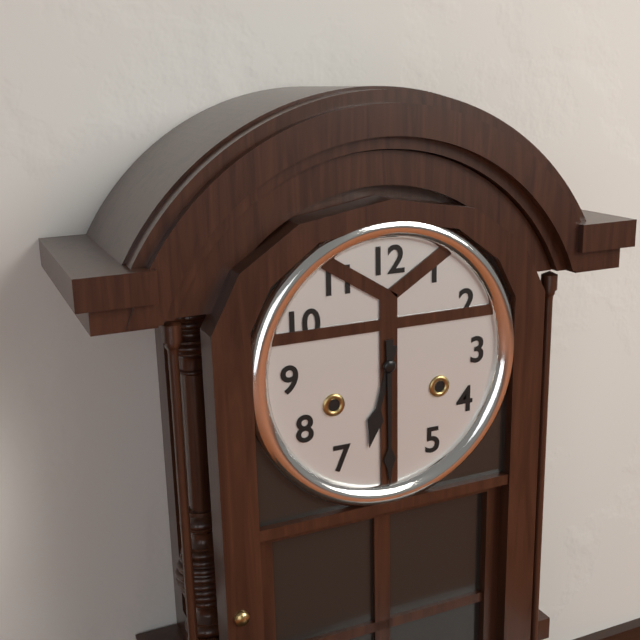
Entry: 6h30
